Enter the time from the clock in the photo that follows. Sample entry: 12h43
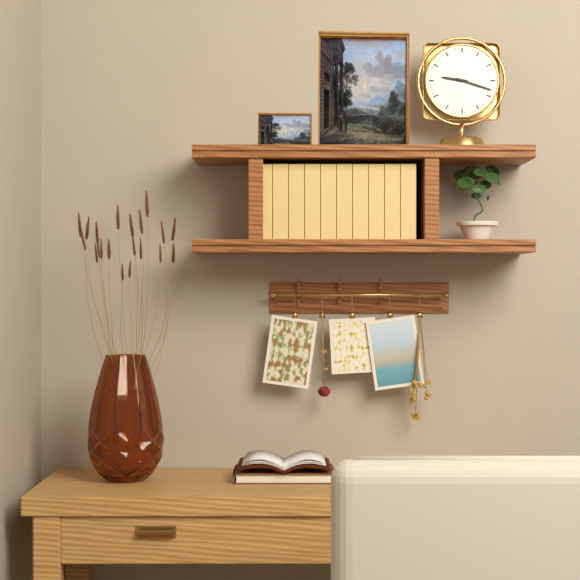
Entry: 9h18
